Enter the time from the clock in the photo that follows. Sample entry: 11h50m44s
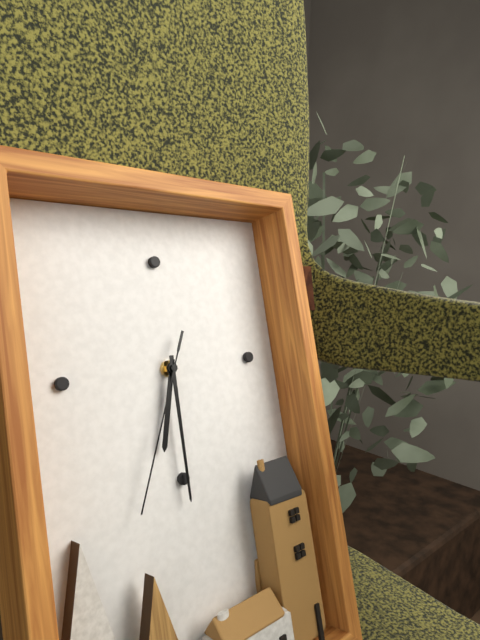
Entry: 6h30m34s
